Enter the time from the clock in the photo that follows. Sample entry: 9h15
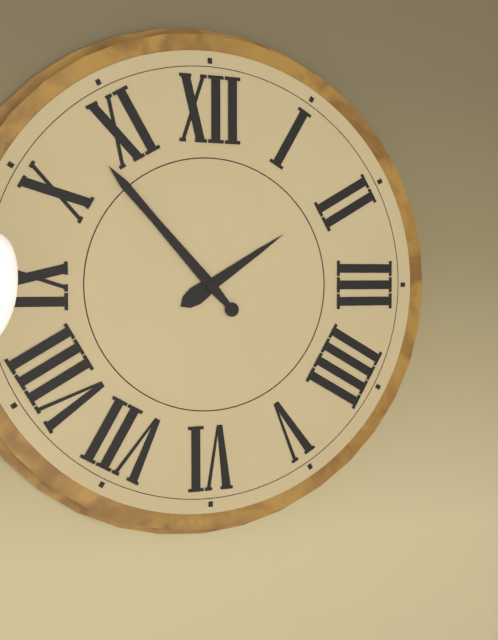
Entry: 1h53
